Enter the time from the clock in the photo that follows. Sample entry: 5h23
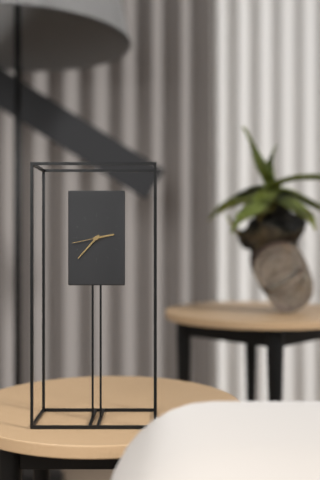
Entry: 2h37
